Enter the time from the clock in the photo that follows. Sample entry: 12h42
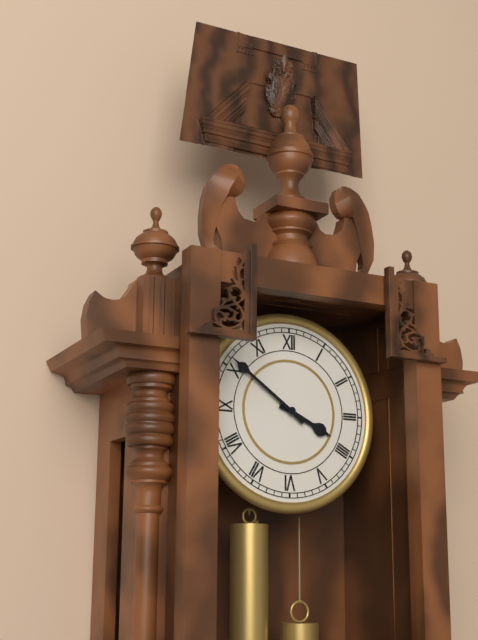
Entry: 3h51
